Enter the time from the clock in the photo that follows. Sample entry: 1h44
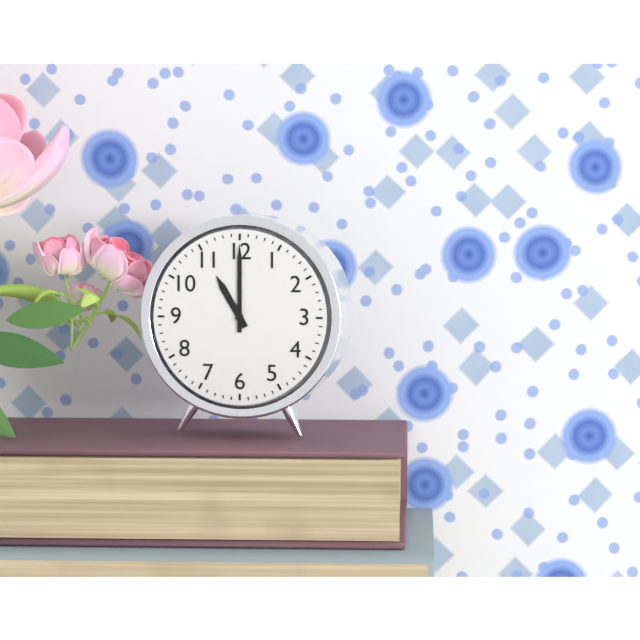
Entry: 11h00
